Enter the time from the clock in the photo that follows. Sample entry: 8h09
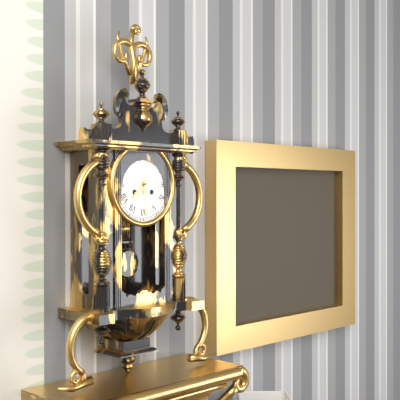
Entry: 7h29
